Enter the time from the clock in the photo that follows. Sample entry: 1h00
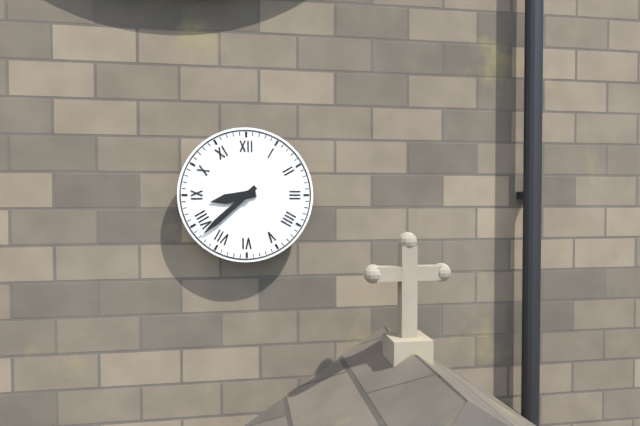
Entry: 8h38
